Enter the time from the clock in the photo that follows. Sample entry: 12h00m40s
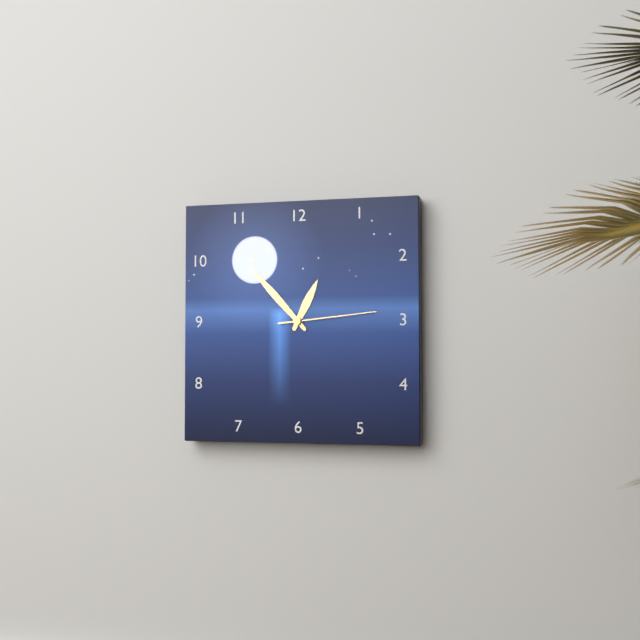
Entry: 12h53m14s
